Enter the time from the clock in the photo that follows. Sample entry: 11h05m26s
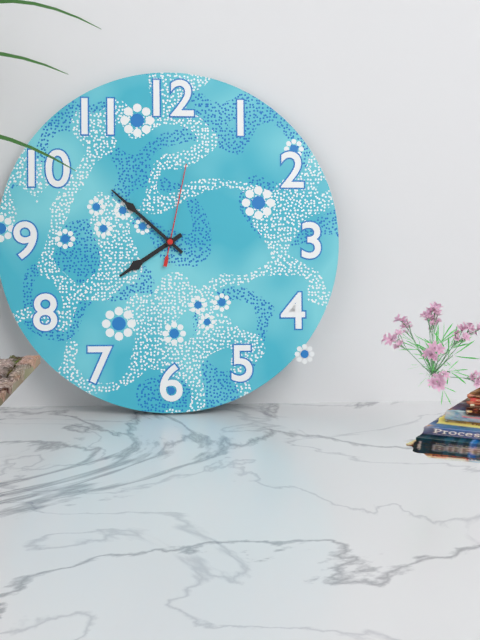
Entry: 7h52m02s
